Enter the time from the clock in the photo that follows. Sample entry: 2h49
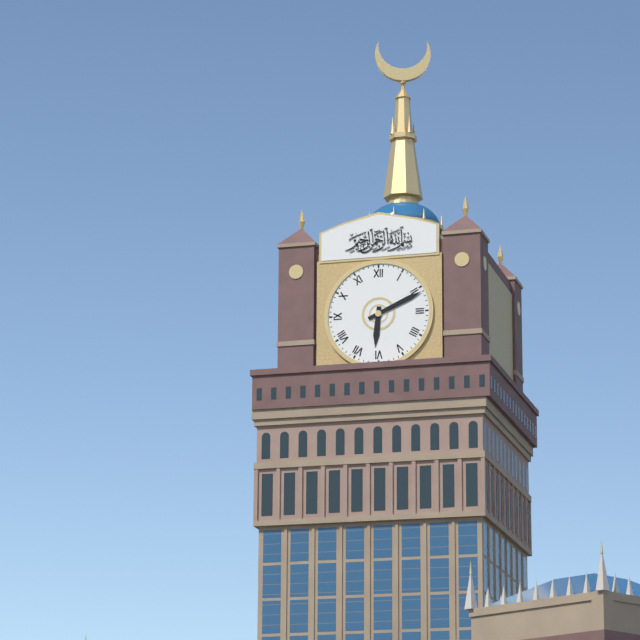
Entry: 6h11
